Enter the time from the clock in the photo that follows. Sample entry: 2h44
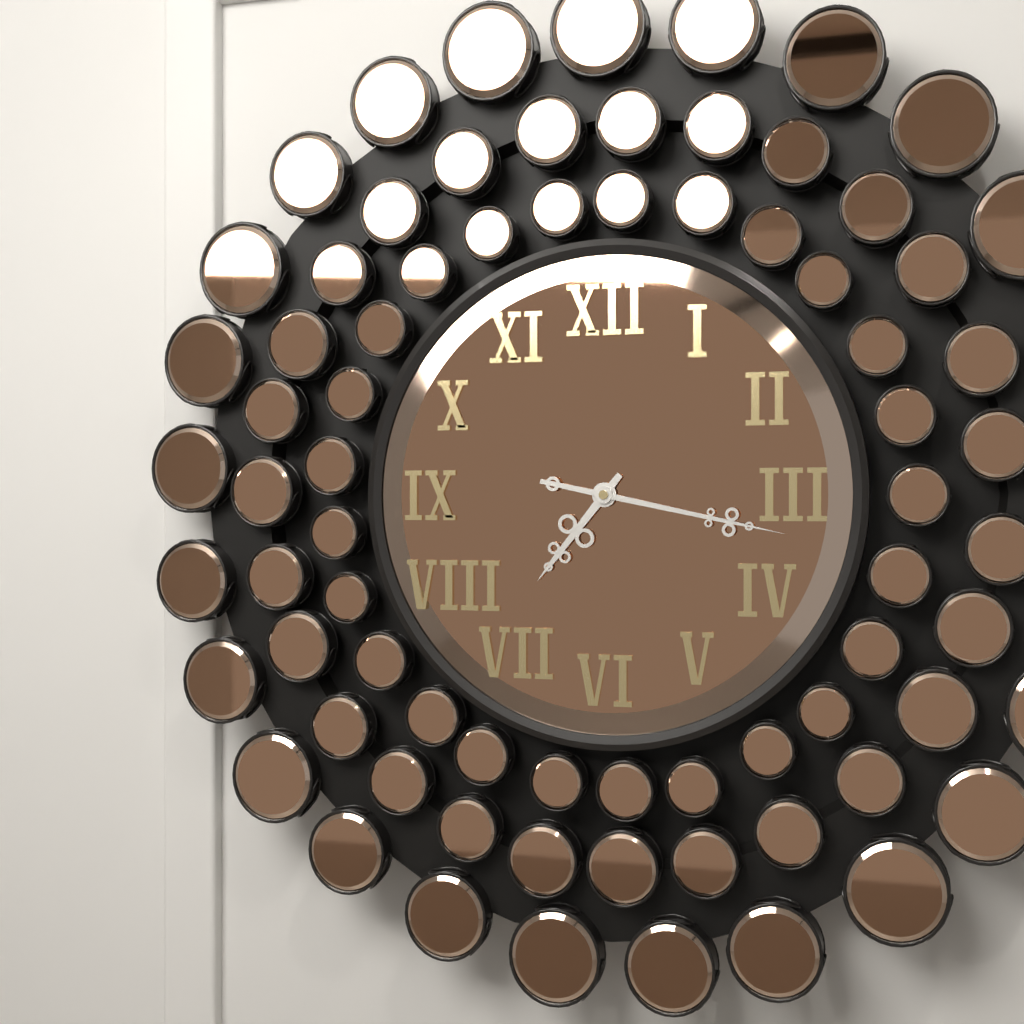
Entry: 7h17
